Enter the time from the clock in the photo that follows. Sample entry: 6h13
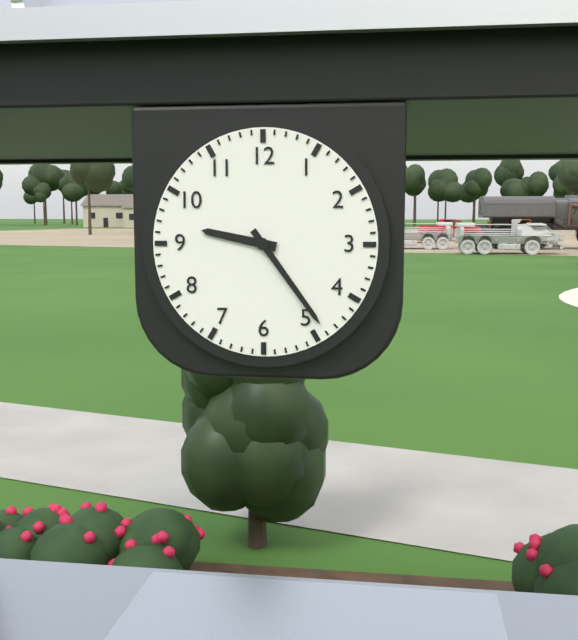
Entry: 9h24
